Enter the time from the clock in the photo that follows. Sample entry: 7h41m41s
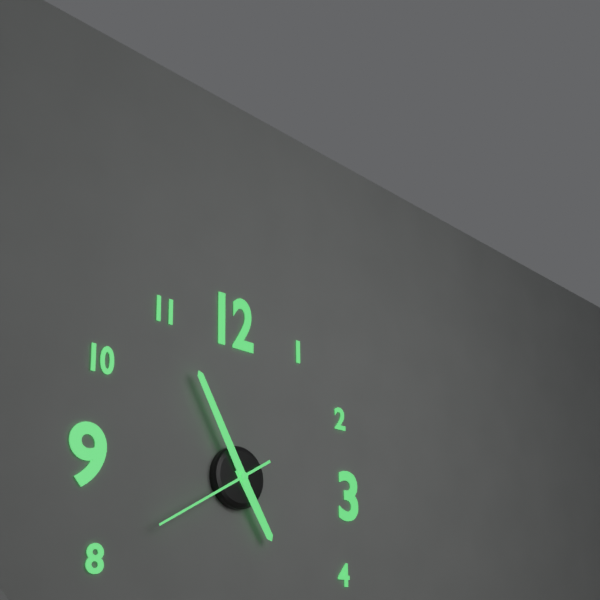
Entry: 4h55m40s
